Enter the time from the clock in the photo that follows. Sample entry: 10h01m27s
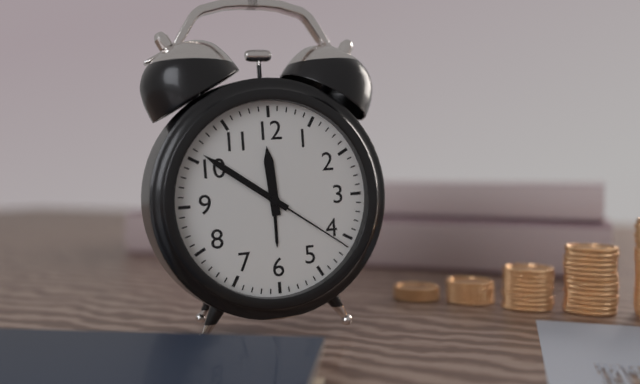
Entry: 11h51m21s
